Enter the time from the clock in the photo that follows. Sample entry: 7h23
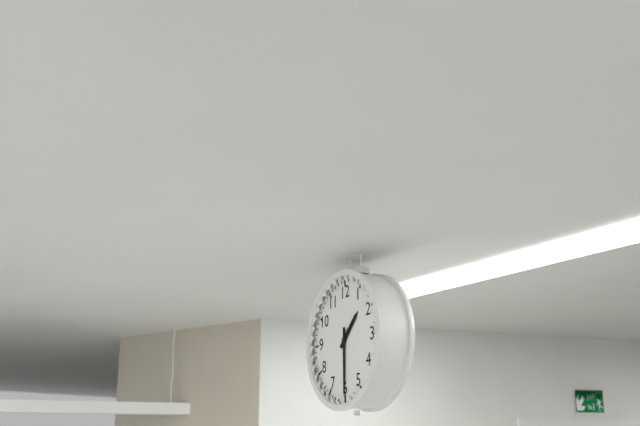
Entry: 1h30
